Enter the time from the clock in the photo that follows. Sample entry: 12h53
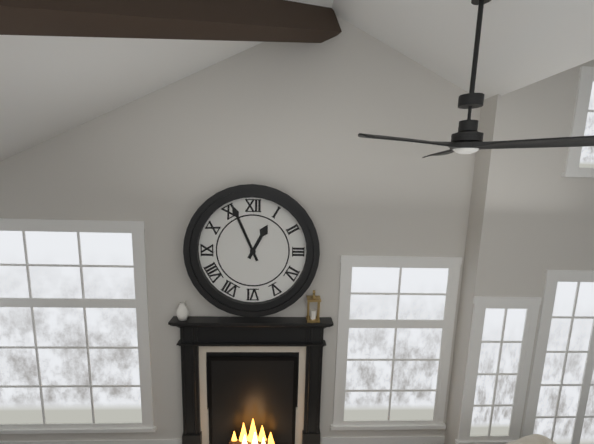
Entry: 12h56
